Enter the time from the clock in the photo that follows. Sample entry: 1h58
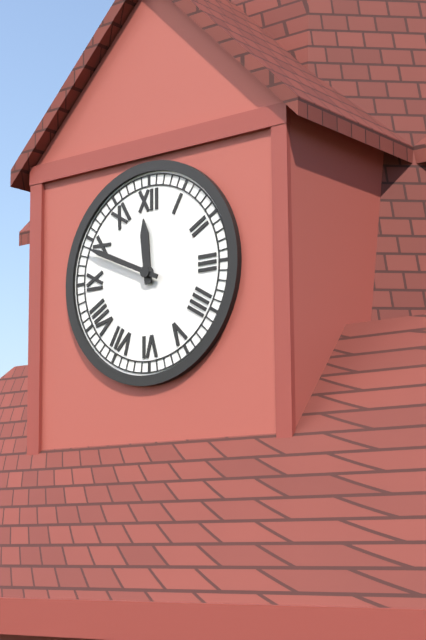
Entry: 11h49
